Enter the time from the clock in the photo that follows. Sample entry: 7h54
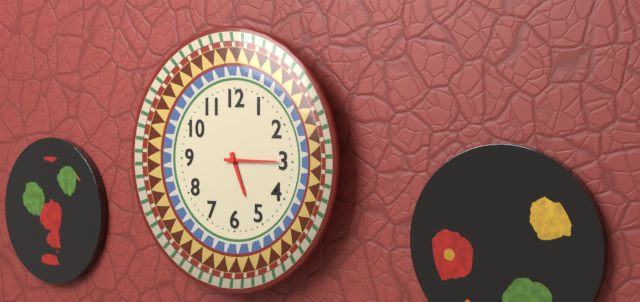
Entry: 5h15
